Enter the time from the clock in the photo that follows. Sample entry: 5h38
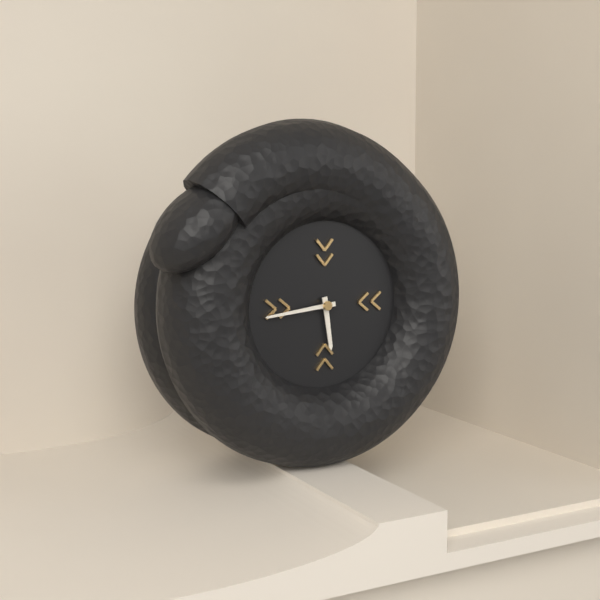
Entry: 5h44
